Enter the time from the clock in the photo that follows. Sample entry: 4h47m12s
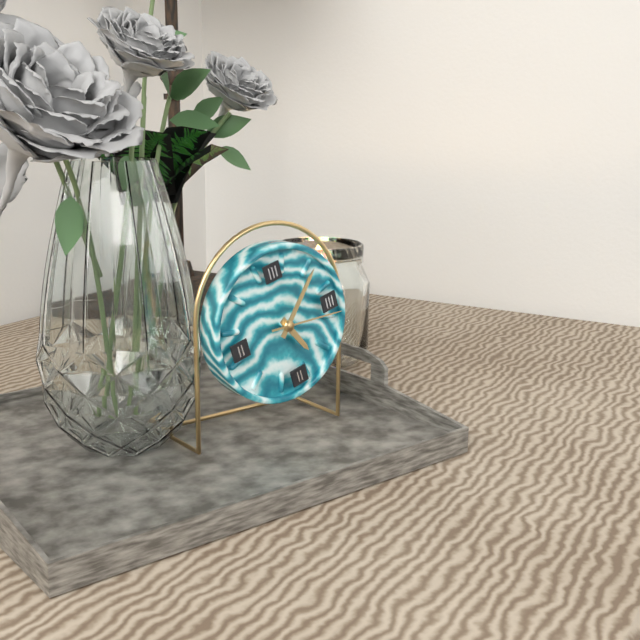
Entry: 5h08m17s
